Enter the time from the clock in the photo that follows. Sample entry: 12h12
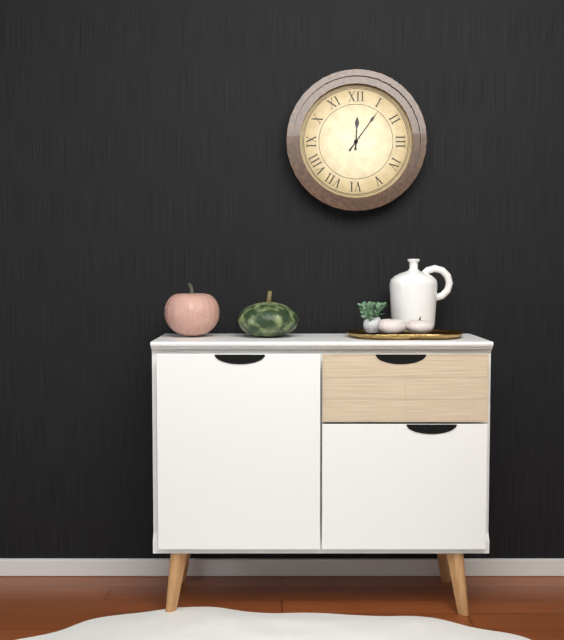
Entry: 12h06
